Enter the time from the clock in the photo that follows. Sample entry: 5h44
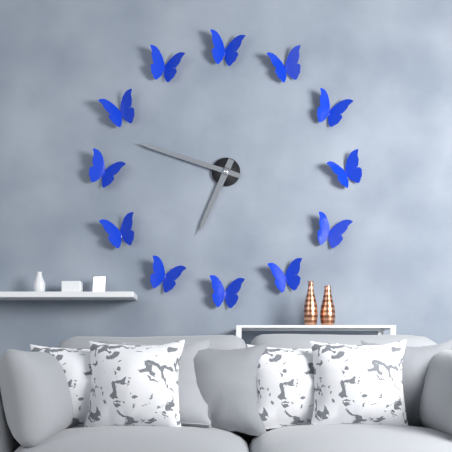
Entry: 6h48
